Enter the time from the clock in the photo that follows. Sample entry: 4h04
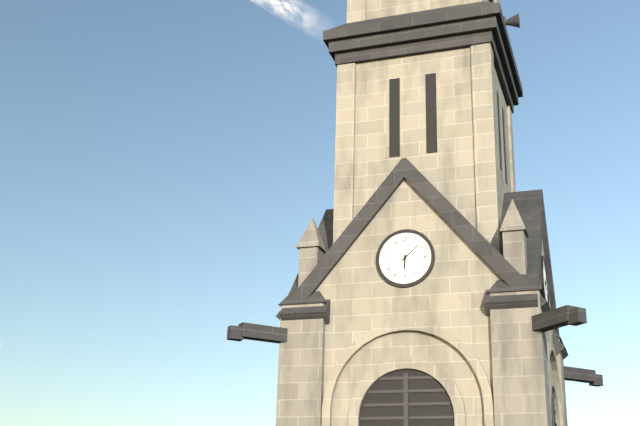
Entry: 6h08
